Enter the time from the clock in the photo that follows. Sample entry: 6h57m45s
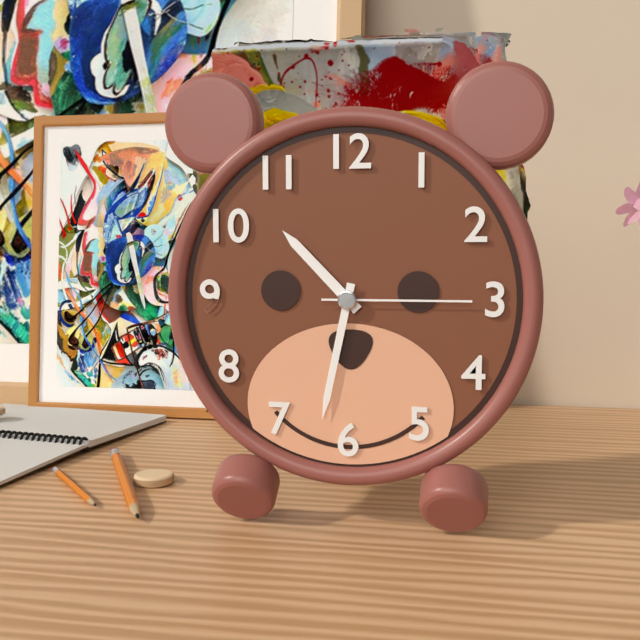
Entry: 10h32m15s
